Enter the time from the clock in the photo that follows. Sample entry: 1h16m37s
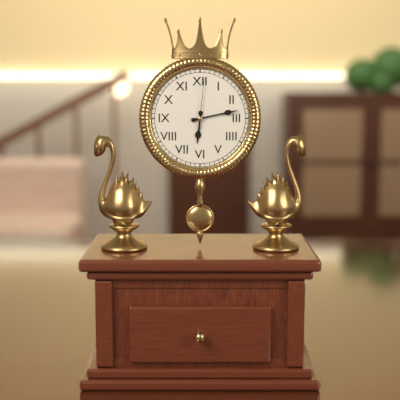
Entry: 6h13m01s
